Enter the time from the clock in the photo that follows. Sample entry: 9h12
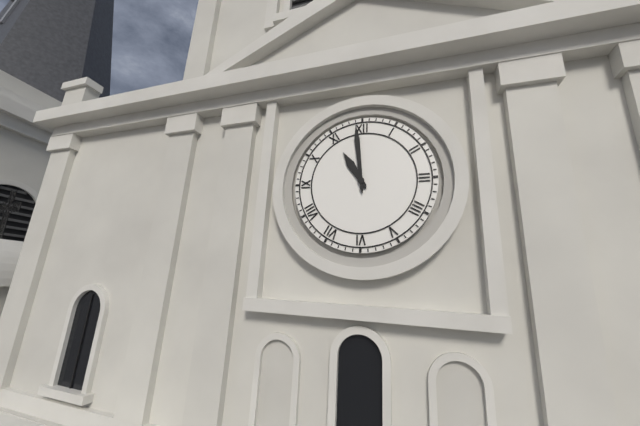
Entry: 10h59
